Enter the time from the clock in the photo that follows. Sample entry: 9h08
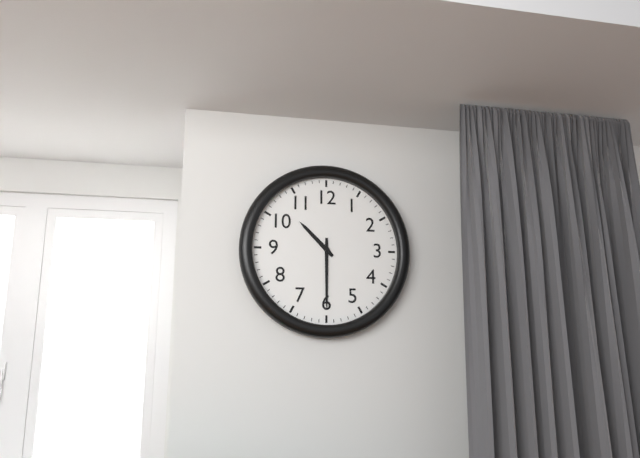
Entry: 10h30
